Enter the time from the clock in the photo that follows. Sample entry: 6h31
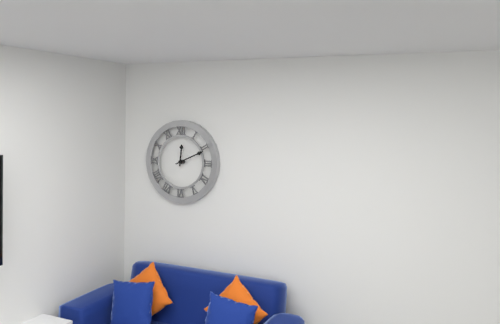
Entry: 12h11
